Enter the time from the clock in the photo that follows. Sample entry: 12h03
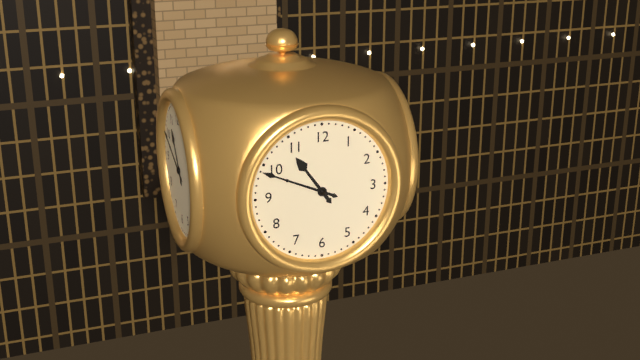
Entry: 10h49
